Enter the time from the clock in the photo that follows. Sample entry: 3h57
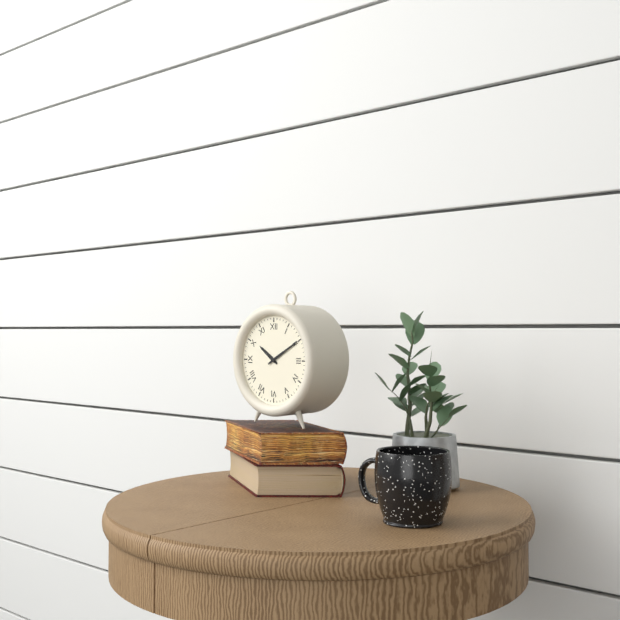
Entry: 10h10
